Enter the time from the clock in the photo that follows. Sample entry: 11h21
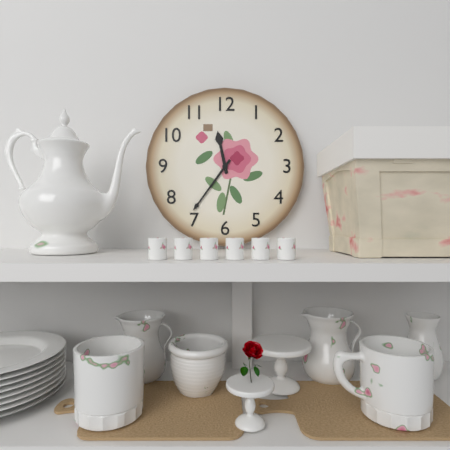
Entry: 11h36
